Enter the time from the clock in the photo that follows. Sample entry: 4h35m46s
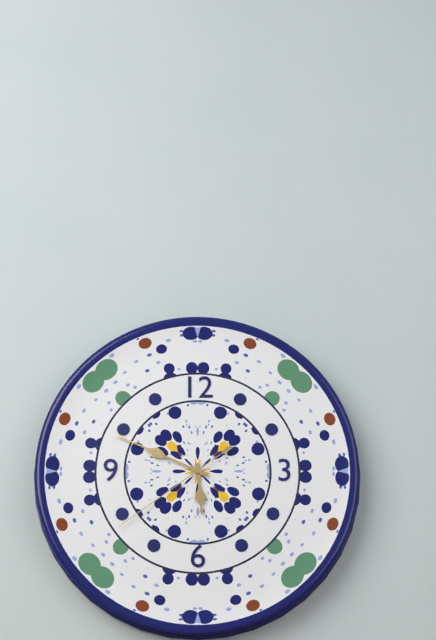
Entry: 5h49m39s
